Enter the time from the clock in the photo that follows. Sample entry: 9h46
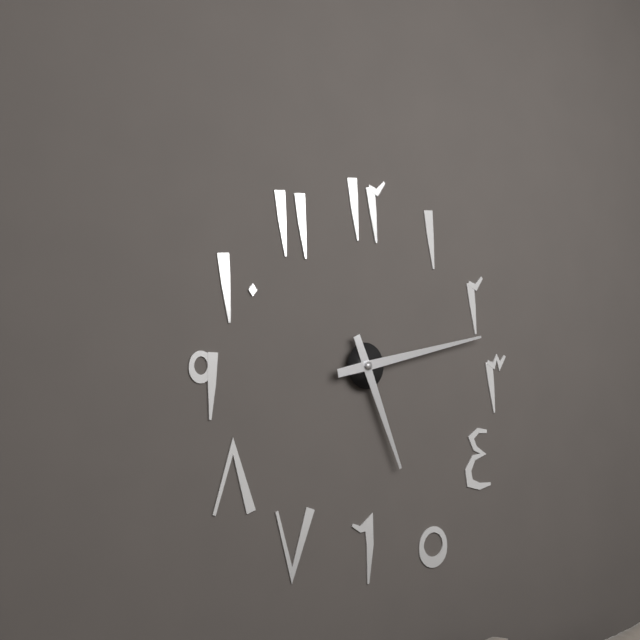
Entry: 5h13
